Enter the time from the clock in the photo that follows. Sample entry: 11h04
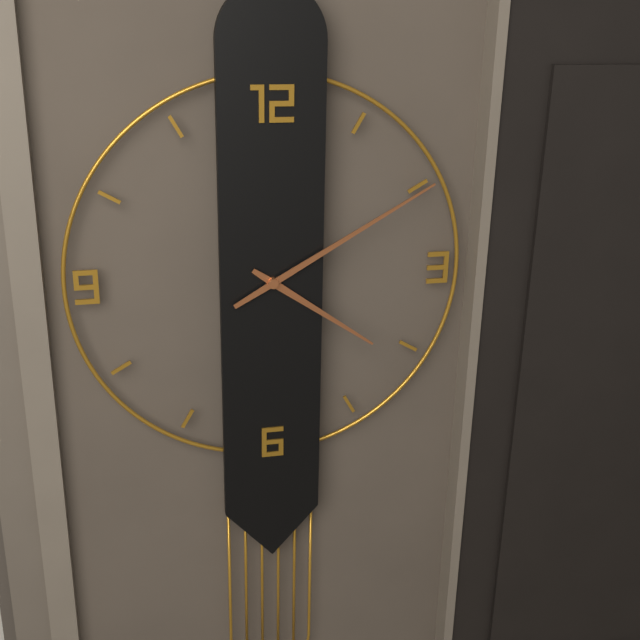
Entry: 4h10
